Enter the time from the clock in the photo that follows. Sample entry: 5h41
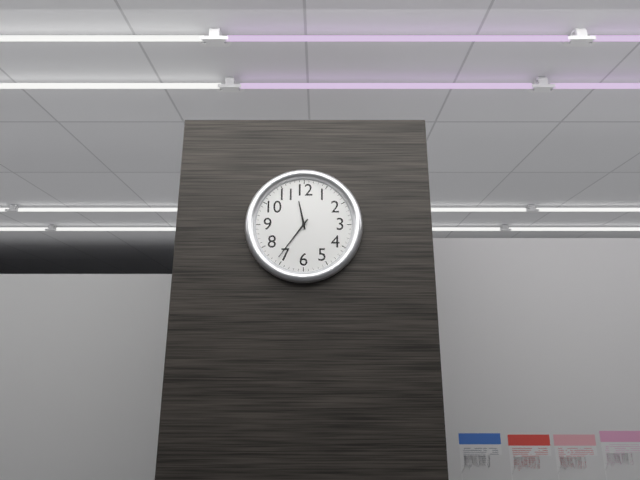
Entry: 11h36
